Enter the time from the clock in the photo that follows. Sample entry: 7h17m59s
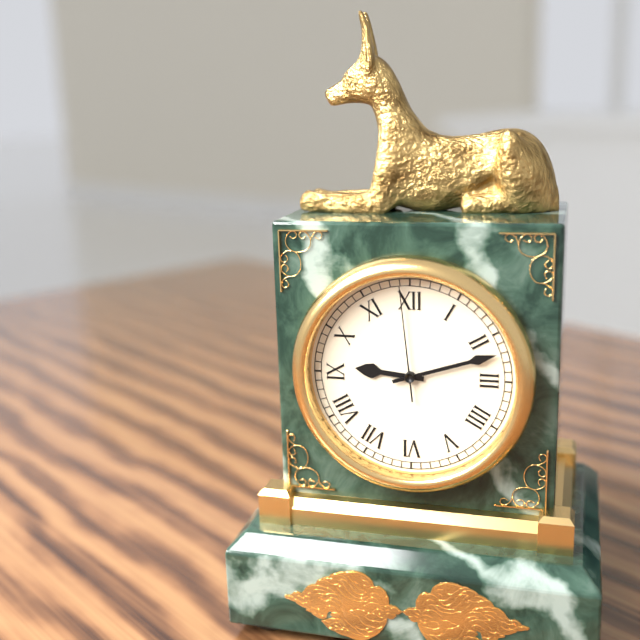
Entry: 9h12m59s
